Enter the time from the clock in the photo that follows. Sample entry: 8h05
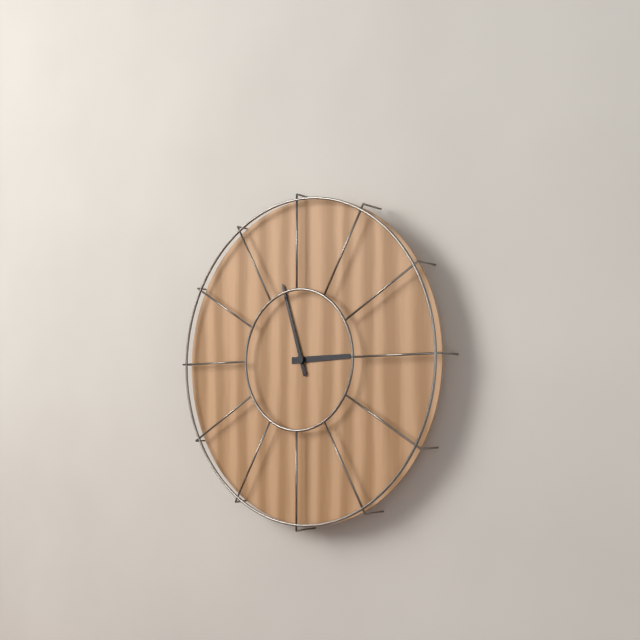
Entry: 2h57
